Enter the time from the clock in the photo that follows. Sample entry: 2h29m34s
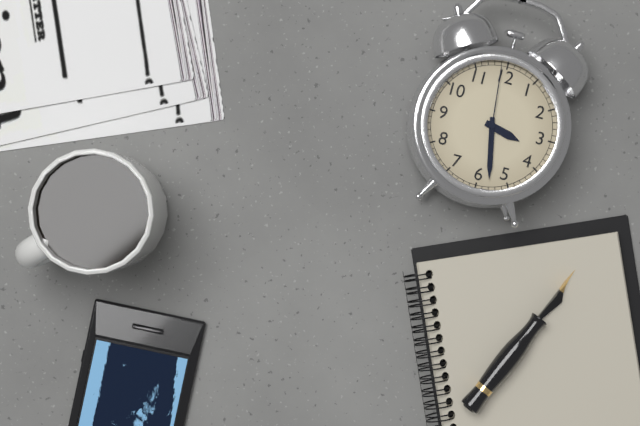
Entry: 3h28m59s
